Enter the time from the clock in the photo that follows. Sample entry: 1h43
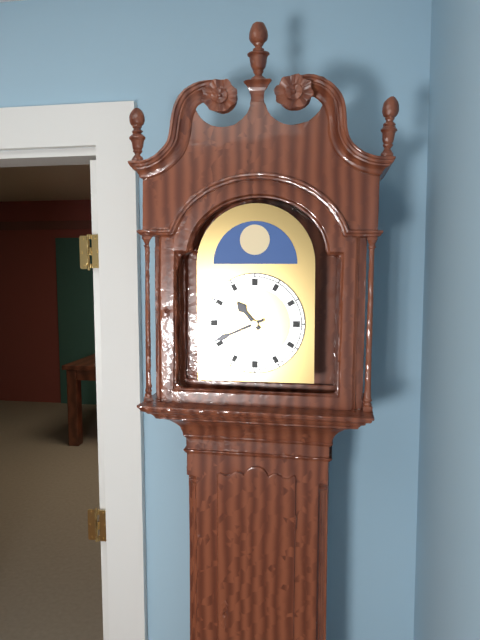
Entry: 10h41
